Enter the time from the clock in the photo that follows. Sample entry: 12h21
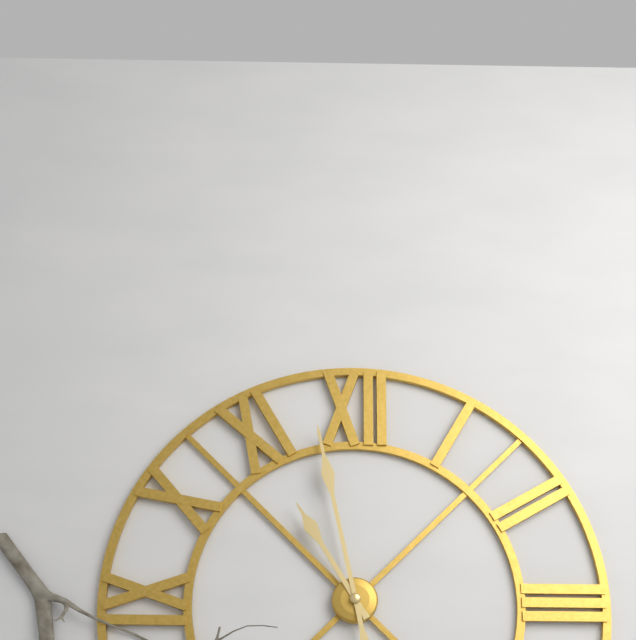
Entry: 10h58
